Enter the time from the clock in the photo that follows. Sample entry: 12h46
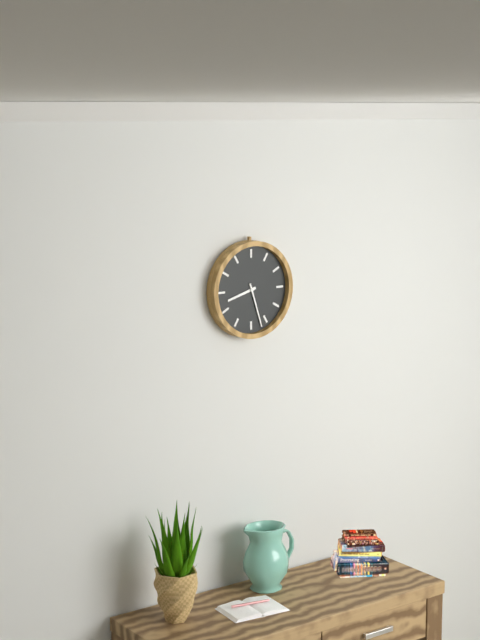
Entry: 8h27
